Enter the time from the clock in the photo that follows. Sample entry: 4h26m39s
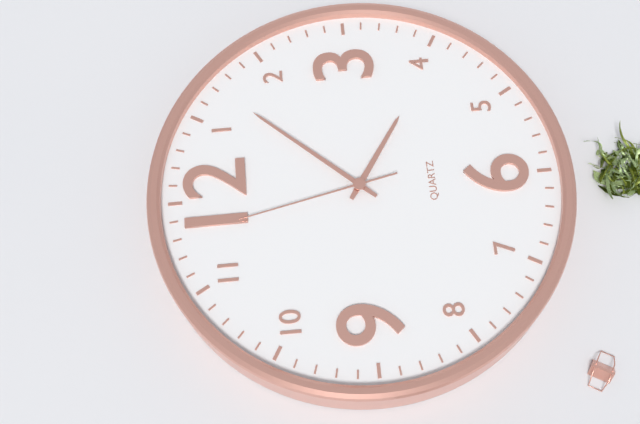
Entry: 4h07m58s
